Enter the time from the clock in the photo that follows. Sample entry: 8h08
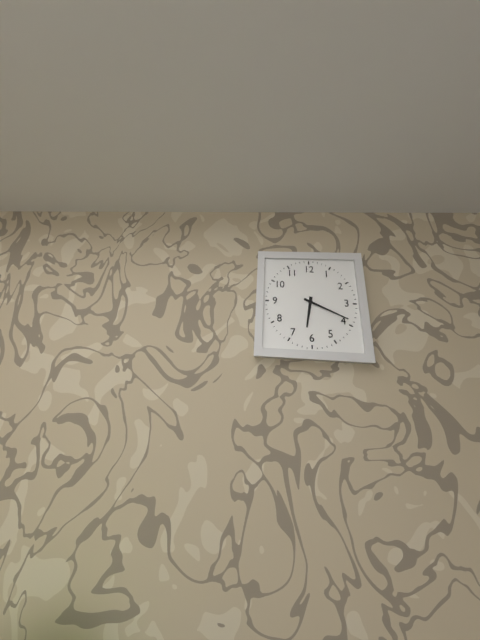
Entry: 6h19
